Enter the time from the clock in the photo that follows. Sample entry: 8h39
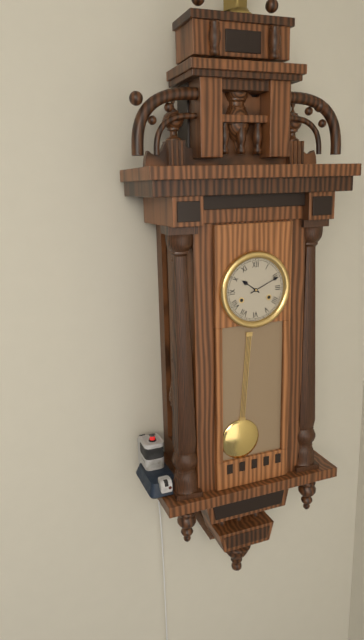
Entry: 10h11
